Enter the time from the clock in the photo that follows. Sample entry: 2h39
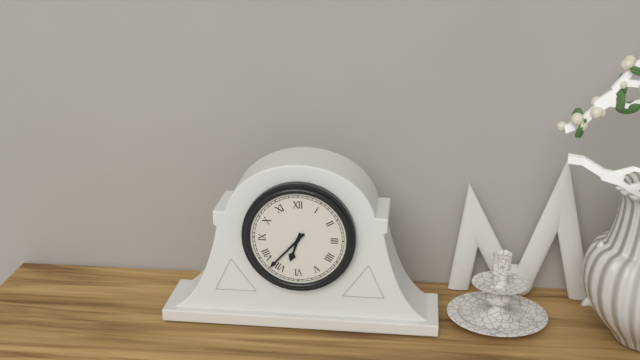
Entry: 6h37
